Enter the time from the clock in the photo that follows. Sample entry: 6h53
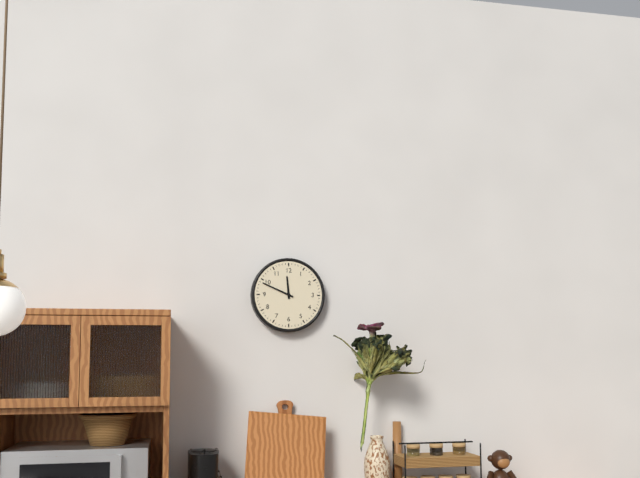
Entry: 11h49
